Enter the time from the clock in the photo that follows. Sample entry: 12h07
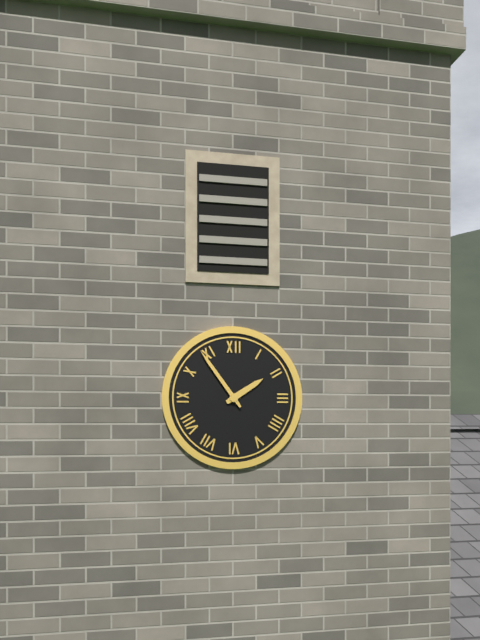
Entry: 1h54
